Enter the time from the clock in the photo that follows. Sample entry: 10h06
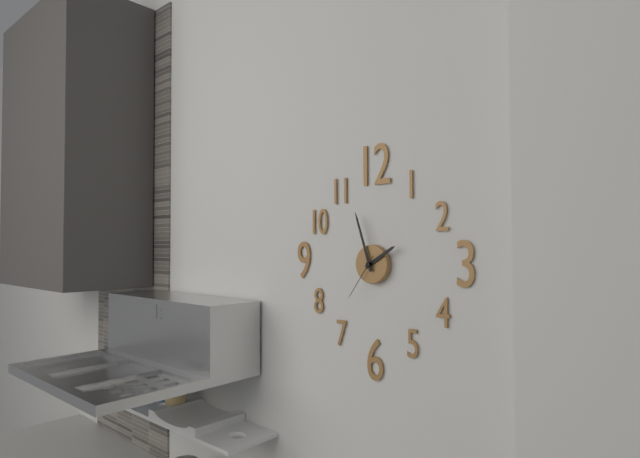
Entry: 1h57
